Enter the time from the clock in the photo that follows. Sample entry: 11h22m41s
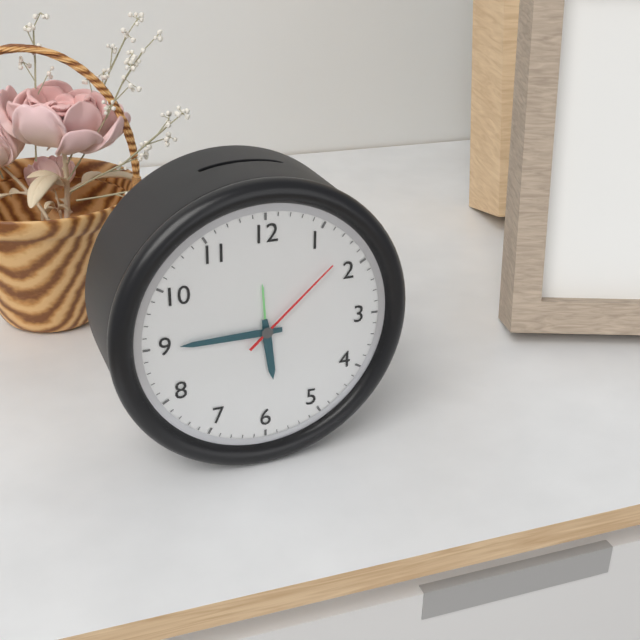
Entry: 5h45m08s
